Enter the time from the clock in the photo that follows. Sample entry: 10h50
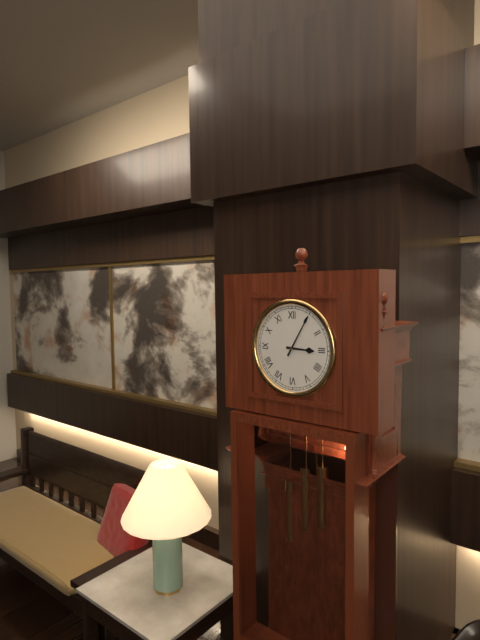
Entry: 3h05
